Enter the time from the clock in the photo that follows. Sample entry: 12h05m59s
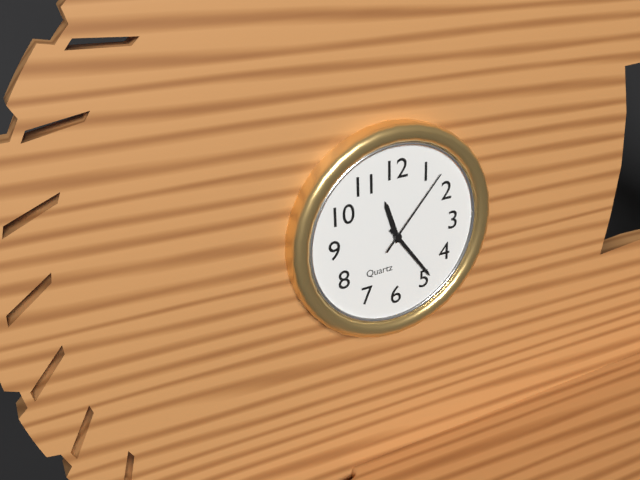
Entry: 11h24m07s
